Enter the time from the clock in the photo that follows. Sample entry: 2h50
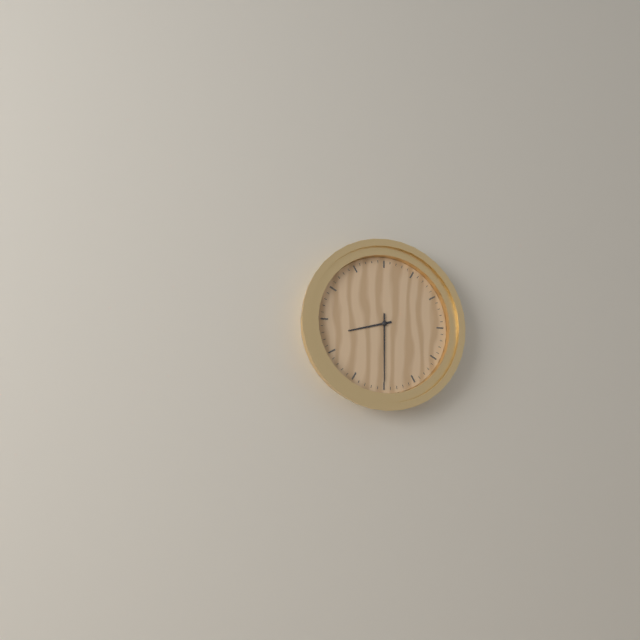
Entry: 8h30
